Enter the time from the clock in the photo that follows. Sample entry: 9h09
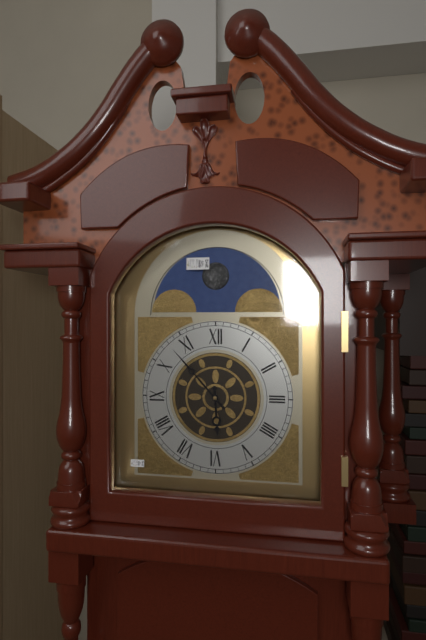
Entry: 5h53
